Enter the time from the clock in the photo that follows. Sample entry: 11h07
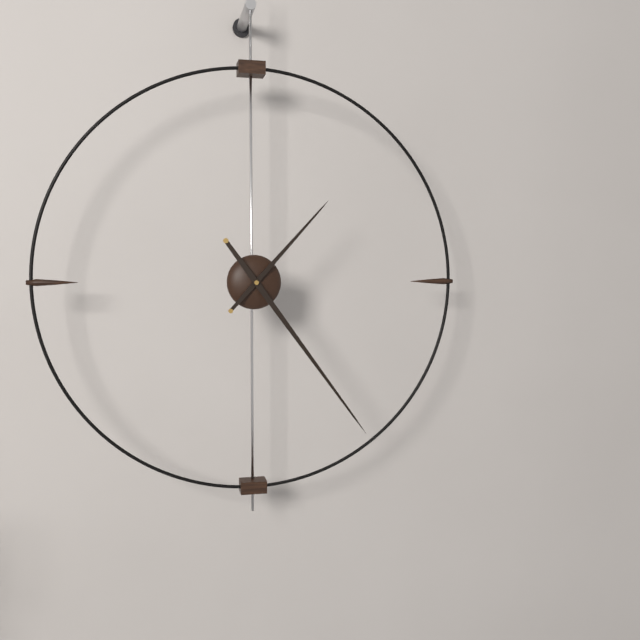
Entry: 1h24
